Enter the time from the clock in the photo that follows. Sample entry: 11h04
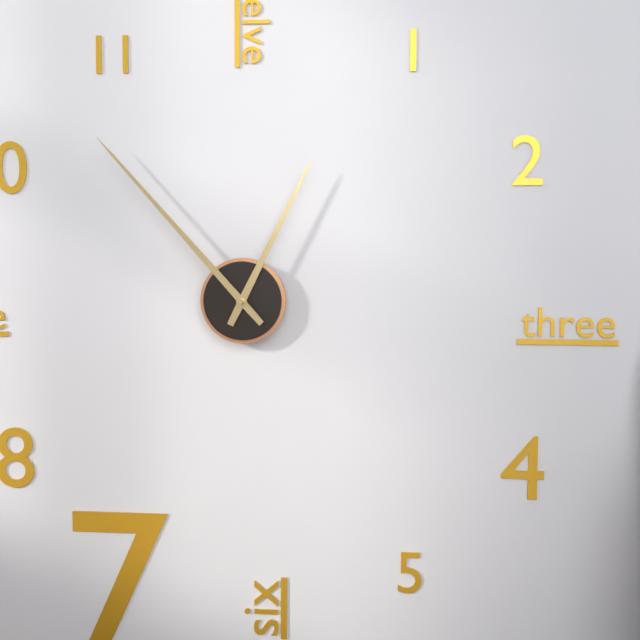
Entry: 12h53
